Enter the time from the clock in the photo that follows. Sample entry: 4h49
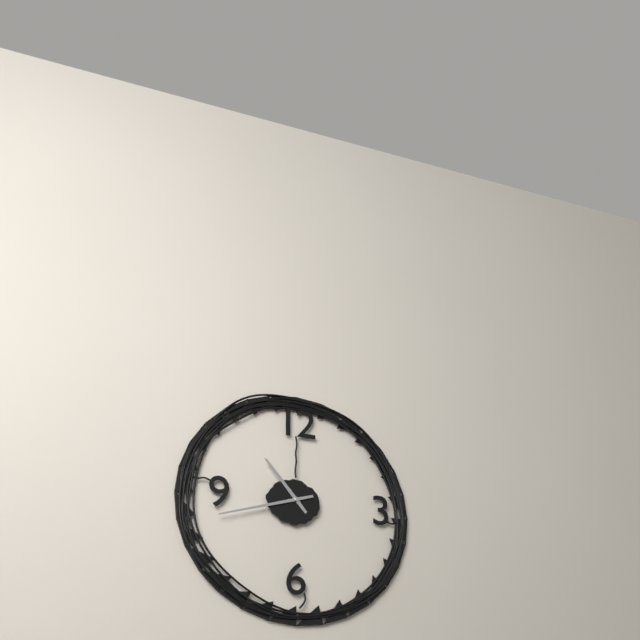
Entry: 10h42
